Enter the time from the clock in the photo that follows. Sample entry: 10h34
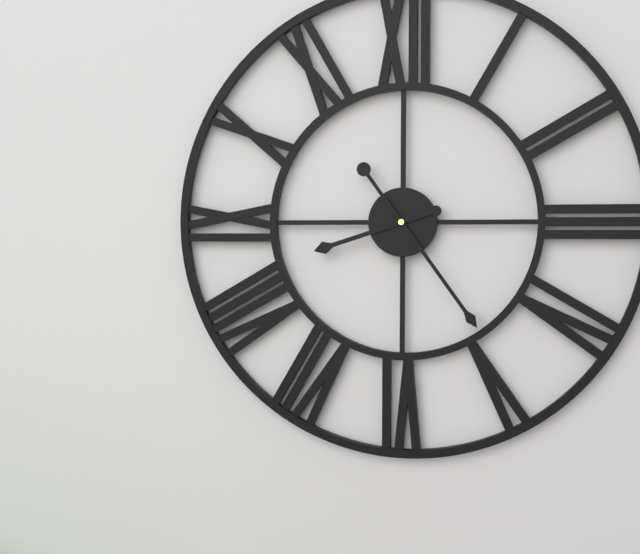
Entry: 8h24
